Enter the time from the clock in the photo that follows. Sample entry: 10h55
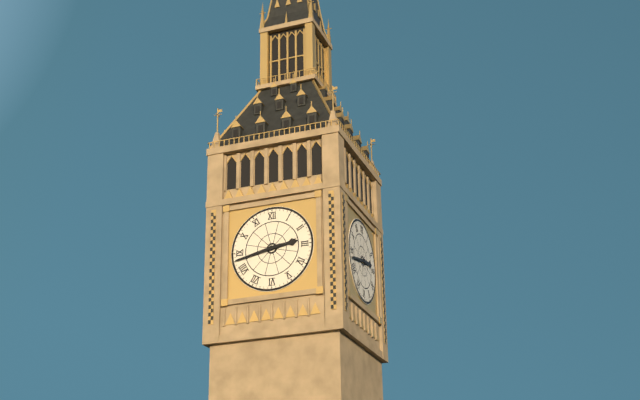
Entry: 2h43
